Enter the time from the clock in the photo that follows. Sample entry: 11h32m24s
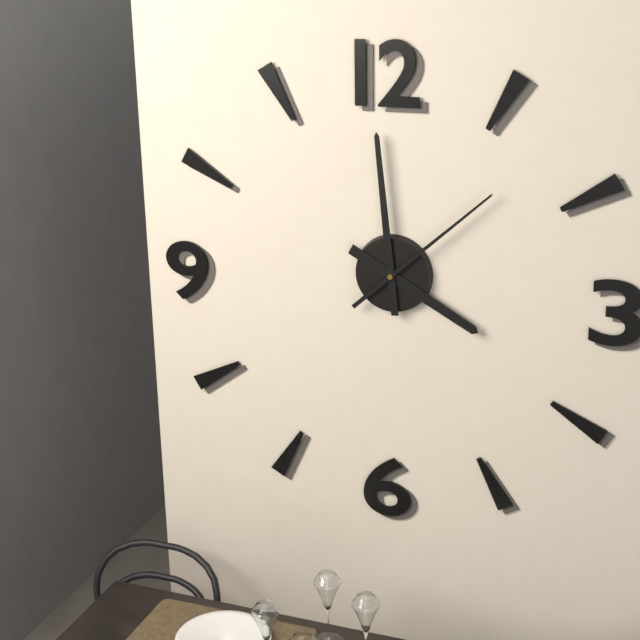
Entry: 3h59m08s
